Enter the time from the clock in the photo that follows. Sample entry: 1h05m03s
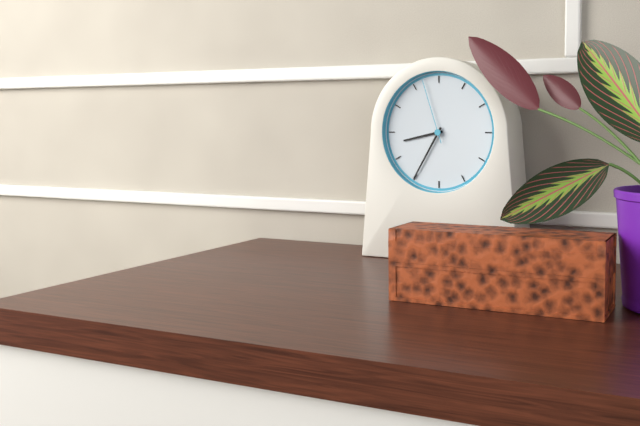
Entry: 8h35m57s
